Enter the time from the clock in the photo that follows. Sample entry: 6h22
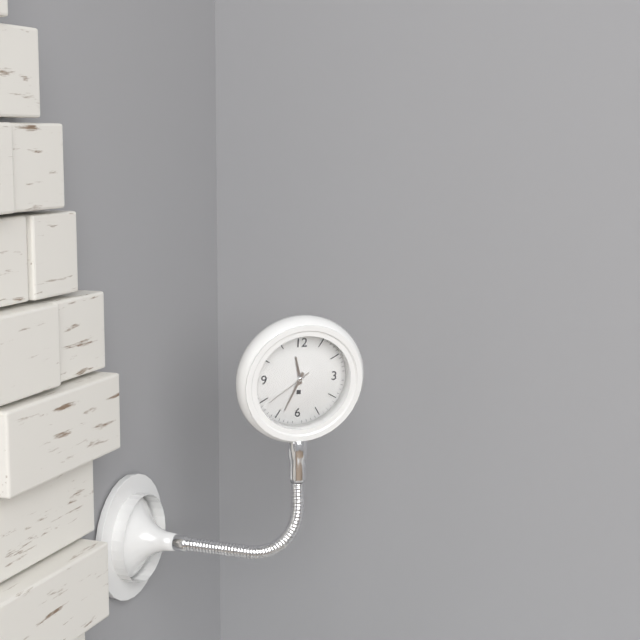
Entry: 11h34
